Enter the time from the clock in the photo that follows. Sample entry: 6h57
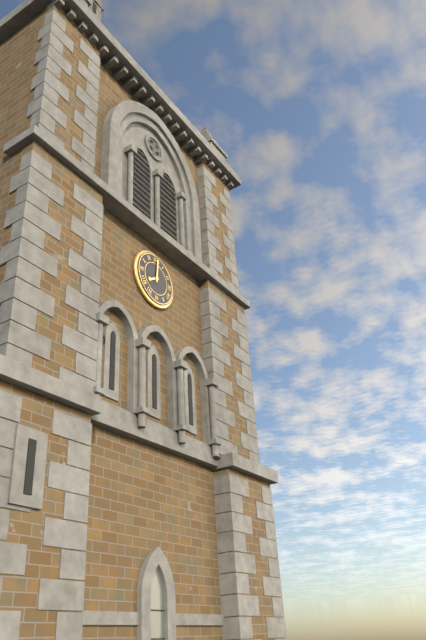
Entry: 8h01
